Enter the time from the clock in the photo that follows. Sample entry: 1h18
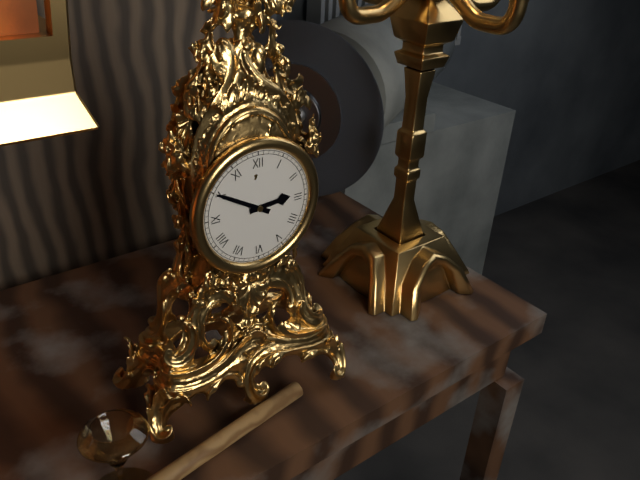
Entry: 2h50
